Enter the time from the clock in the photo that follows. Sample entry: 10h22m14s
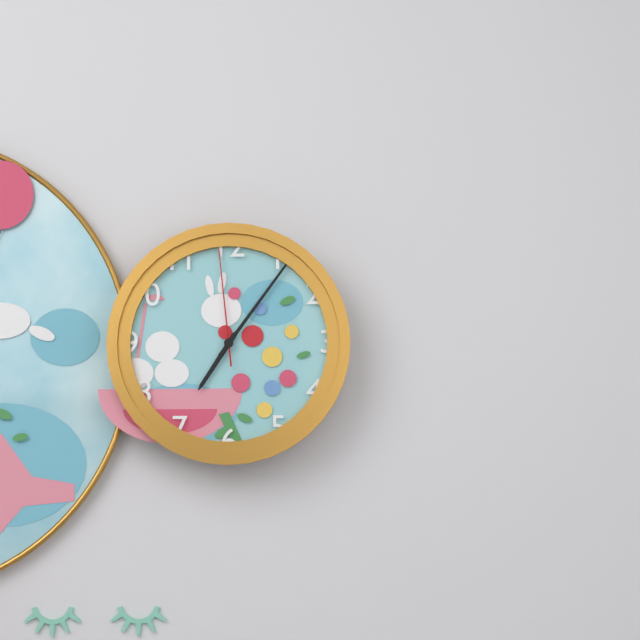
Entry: 7h06m59s
